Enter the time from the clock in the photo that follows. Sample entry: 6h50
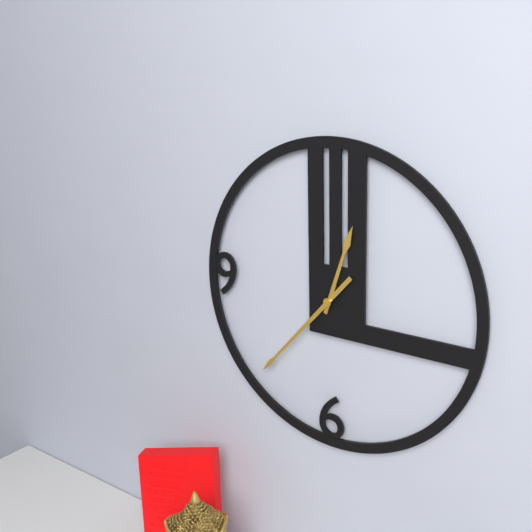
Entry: 12h37
